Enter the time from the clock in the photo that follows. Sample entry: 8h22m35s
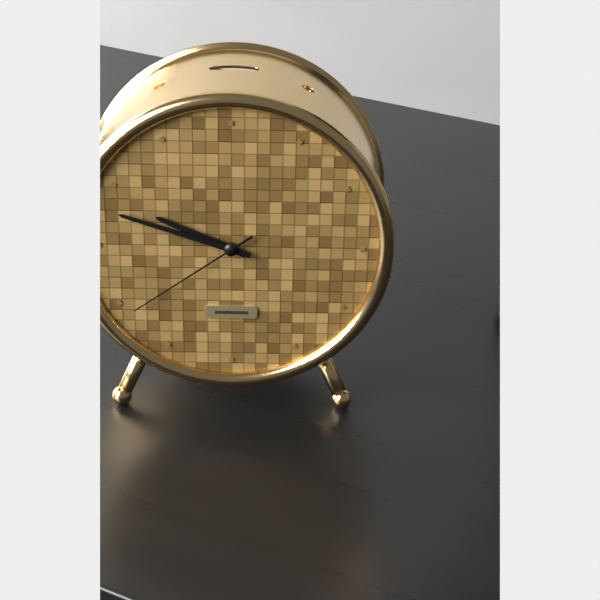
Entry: 9h48m39s
